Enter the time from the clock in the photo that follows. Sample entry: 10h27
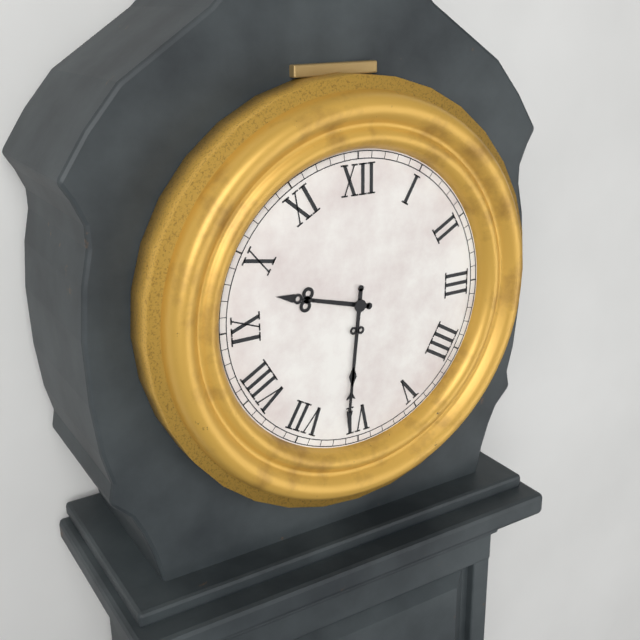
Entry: 9h31
